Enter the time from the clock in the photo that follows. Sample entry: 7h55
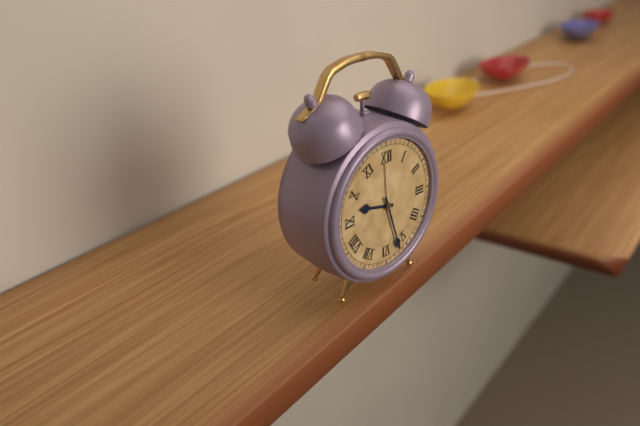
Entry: 9h27
